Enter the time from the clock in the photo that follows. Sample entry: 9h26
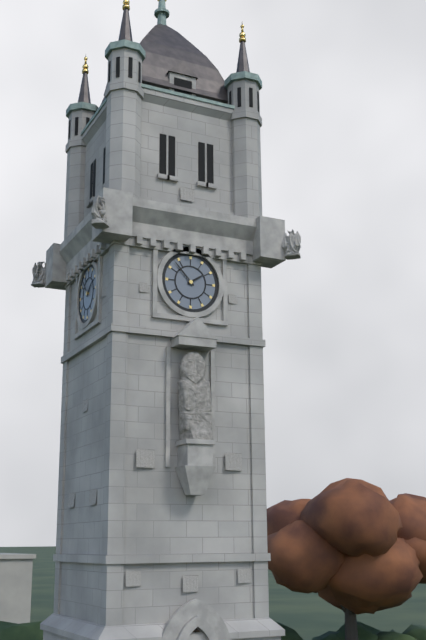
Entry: 1h53
